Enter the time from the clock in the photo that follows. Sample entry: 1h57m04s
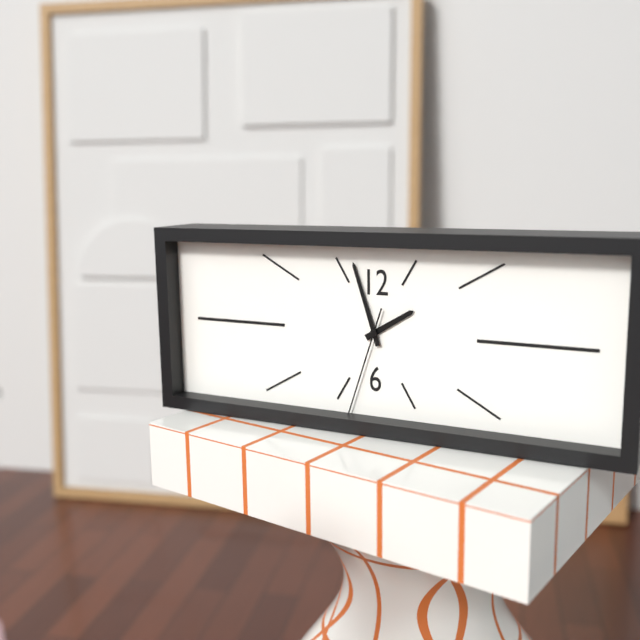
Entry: 1h57m33s
